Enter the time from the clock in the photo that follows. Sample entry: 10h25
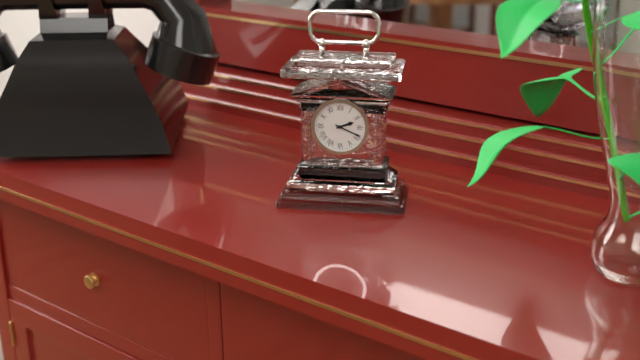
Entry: 2h19
